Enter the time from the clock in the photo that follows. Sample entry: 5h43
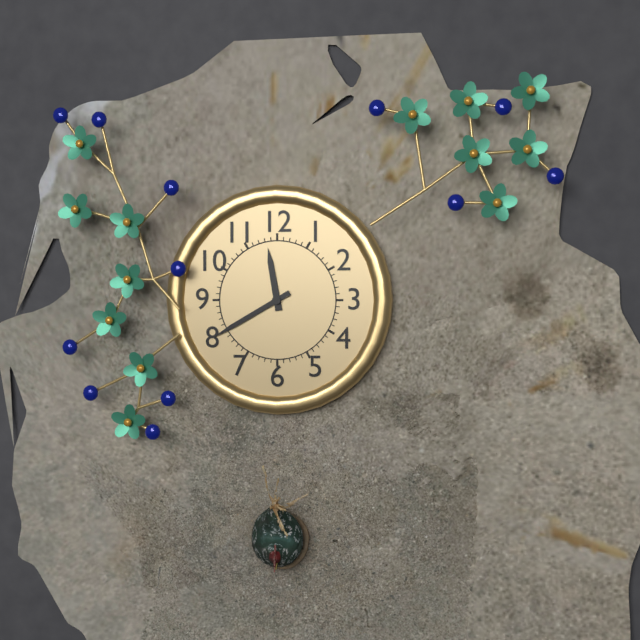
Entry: 11h40
